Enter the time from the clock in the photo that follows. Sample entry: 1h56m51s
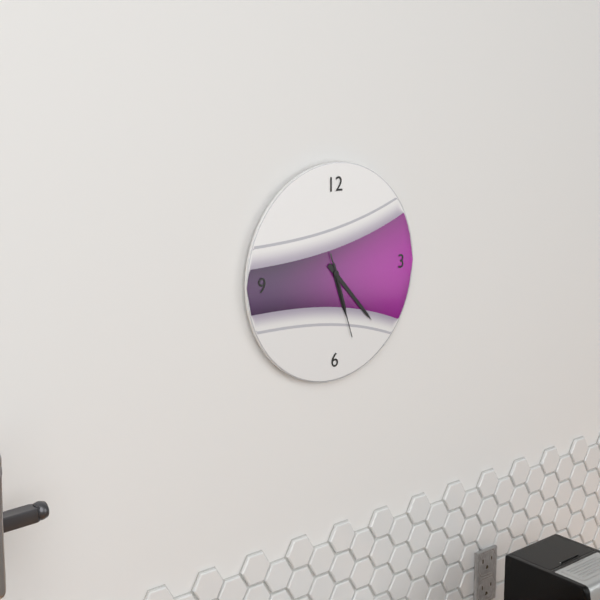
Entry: 5h23m27s
